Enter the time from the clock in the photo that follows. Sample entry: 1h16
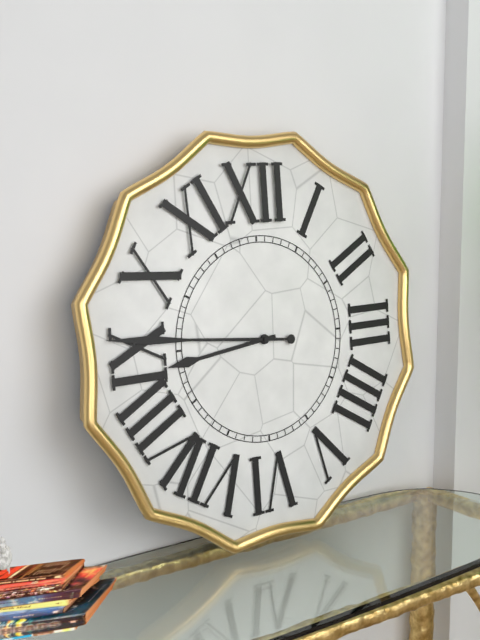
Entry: 8h46
